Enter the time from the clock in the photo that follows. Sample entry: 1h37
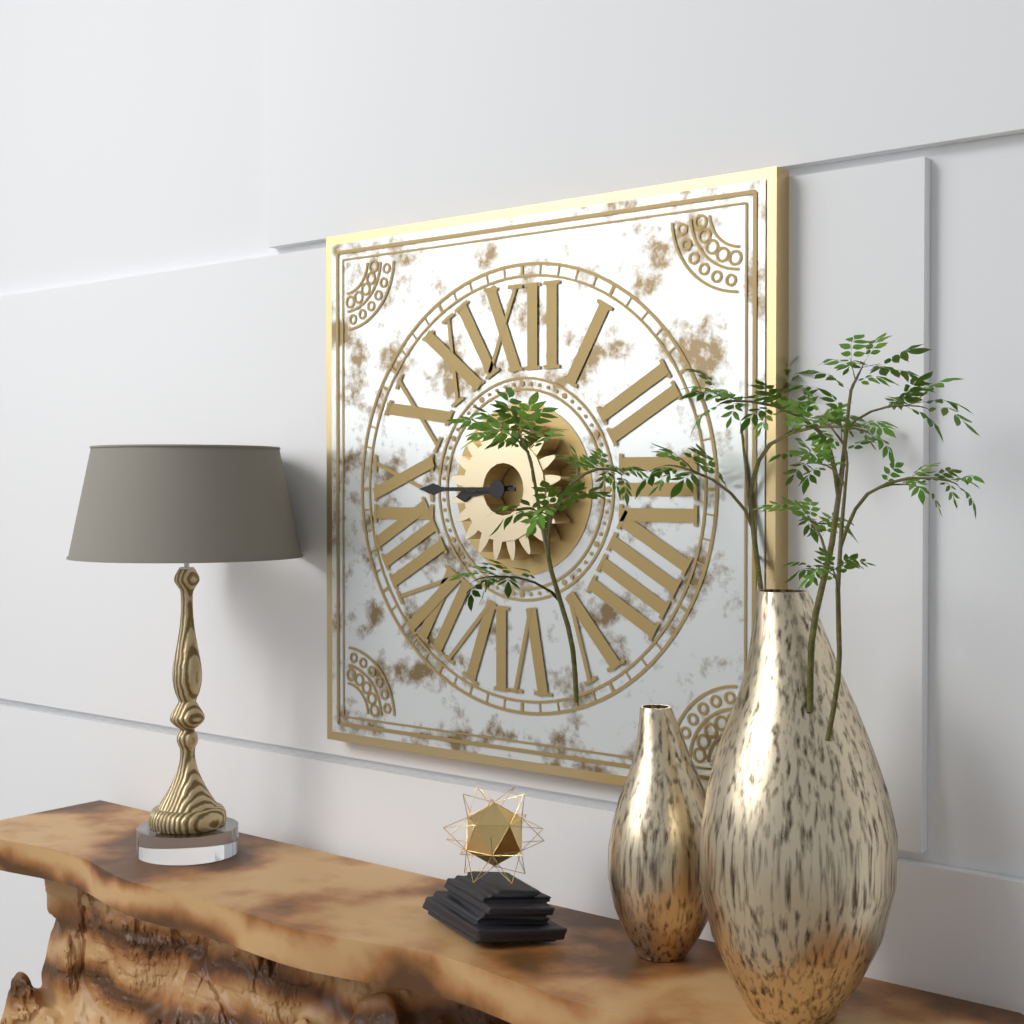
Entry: 8h45
